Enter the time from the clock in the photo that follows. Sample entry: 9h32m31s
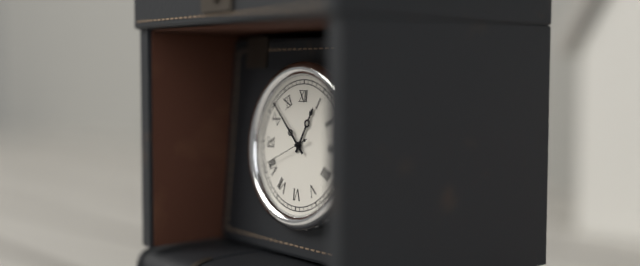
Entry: 12h52m41s
